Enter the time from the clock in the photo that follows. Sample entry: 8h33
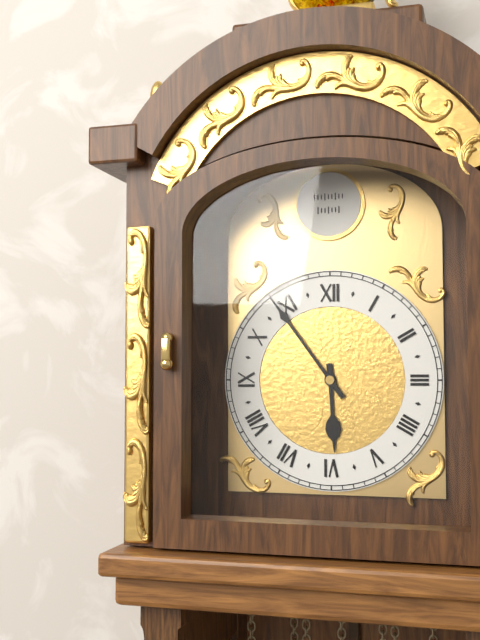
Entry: 5h54
